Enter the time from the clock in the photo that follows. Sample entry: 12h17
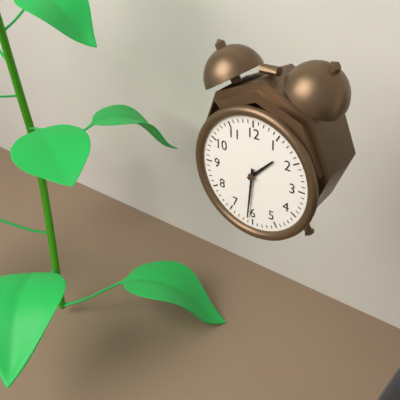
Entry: 1h31
